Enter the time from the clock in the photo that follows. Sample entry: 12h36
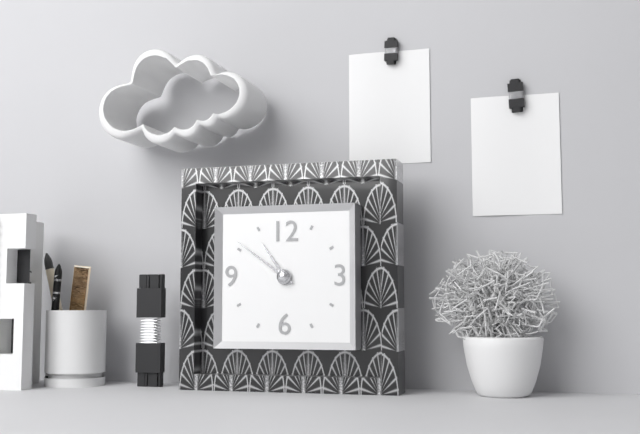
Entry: 10h51
